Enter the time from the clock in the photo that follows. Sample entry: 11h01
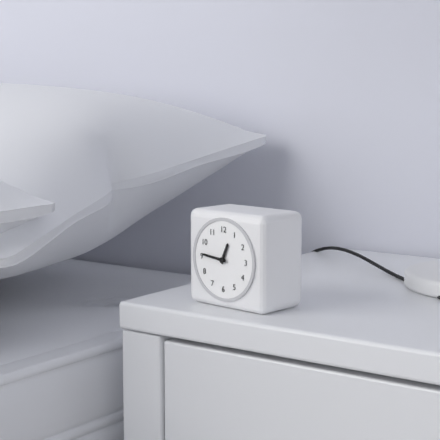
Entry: 12h46
